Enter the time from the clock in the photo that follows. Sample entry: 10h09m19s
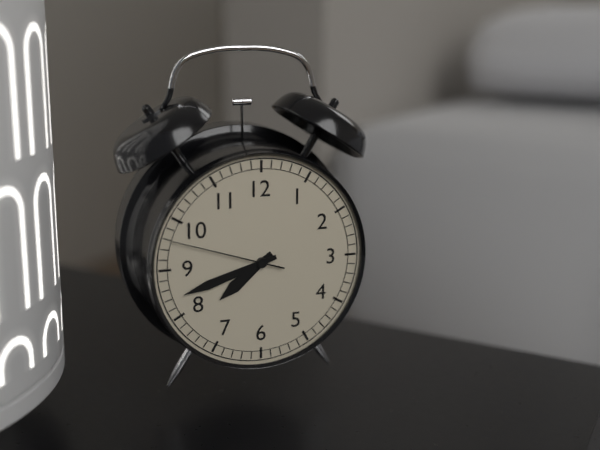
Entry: 7h42m48s
